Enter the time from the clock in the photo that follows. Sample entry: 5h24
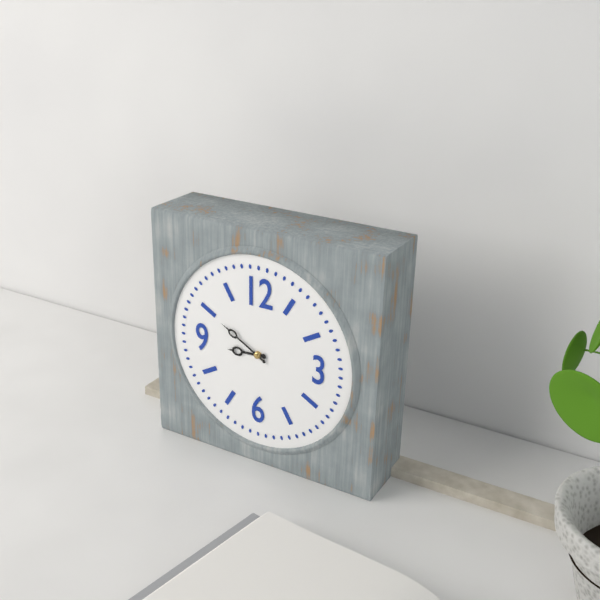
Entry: 8h50
